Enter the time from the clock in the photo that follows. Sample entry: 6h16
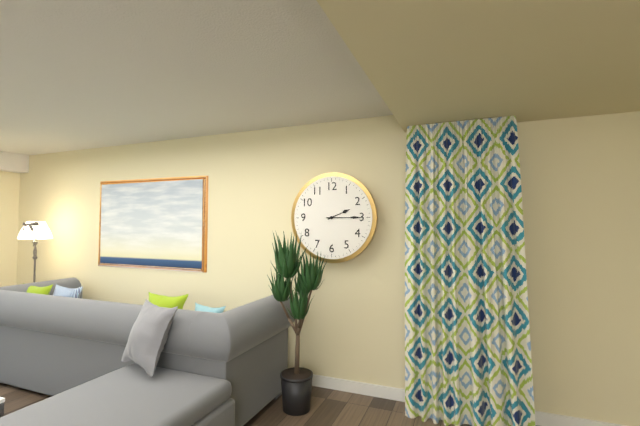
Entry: 2h15
